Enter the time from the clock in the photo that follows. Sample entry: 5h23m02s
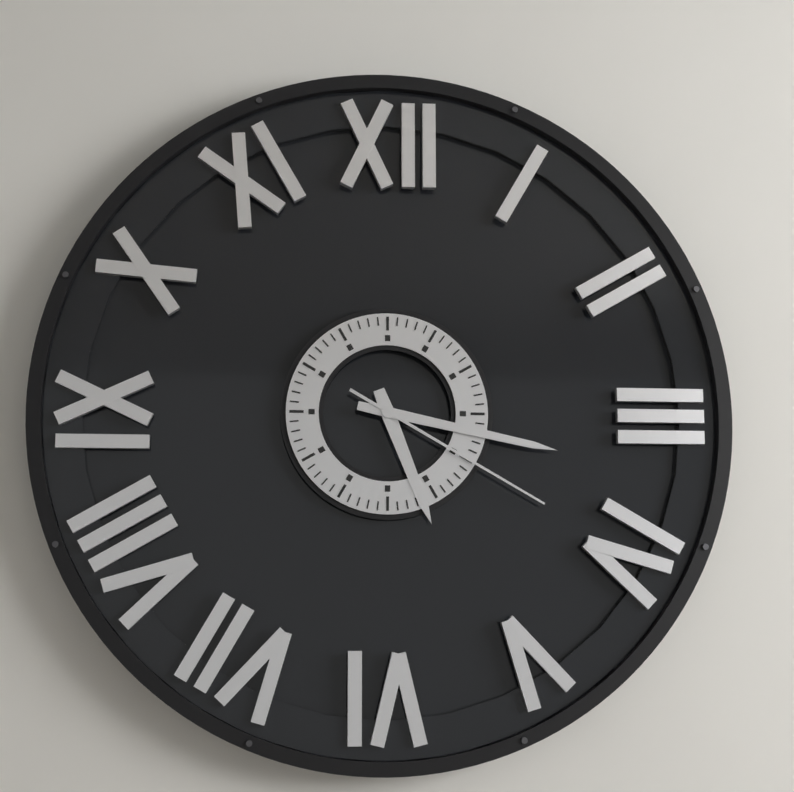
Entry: 5h17m20s
